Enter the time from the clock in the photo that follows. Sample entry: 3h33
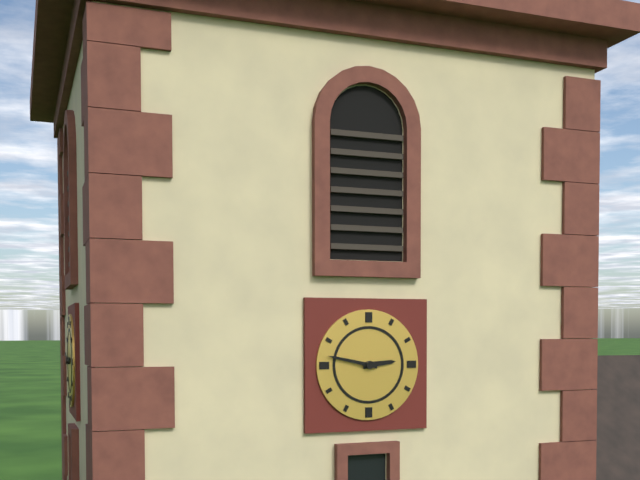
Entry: 2h47
